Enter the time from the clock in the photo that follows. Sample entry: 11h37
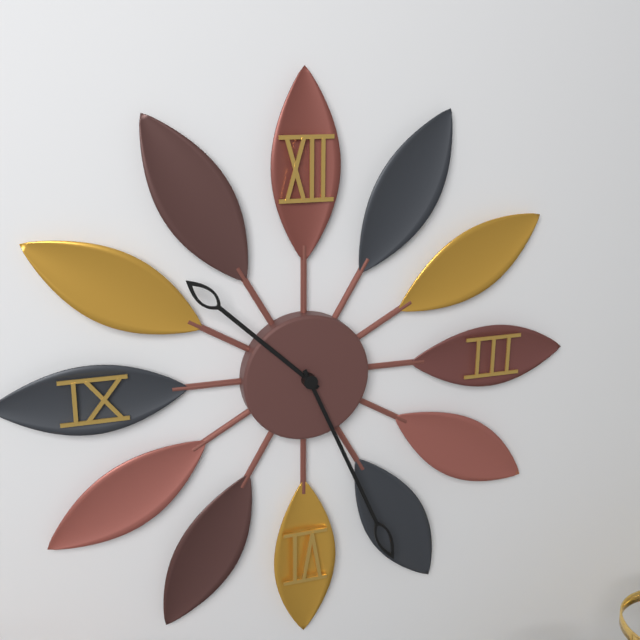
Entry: 10h26
